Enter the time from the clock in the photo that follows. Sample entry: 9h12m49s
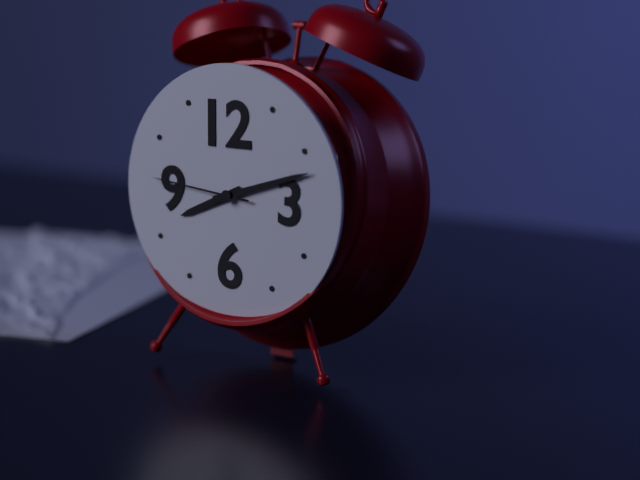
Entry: 8h12m46s
